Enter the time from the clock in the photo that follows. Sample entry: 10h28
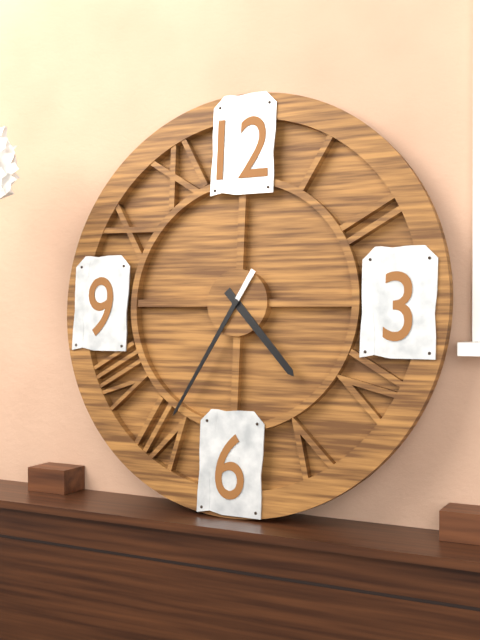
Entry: 4h35
